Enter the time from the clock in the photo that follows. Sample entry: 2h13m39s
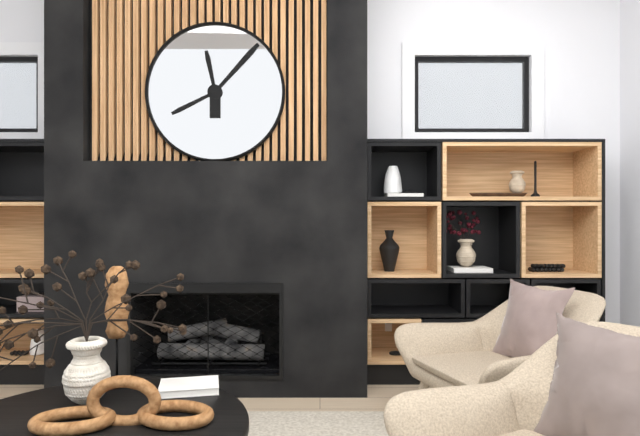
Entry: 8h07m58s
